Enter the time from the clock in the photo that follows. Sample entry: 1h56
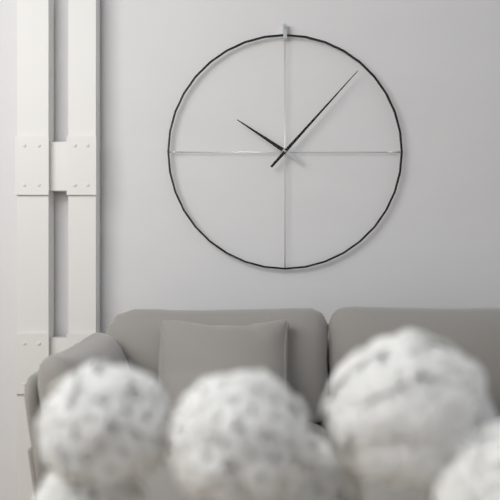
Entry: 10h07
